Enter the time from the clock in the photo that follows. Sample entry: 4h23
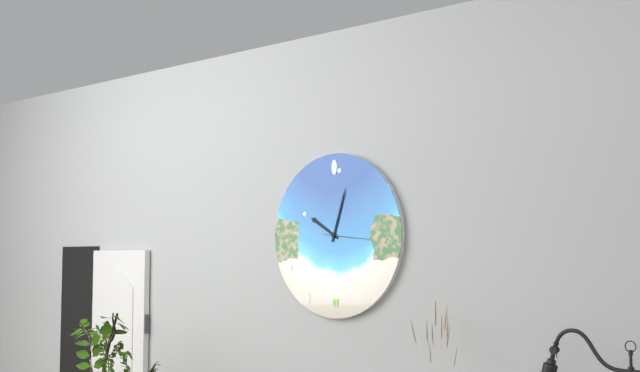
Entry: 10h03
